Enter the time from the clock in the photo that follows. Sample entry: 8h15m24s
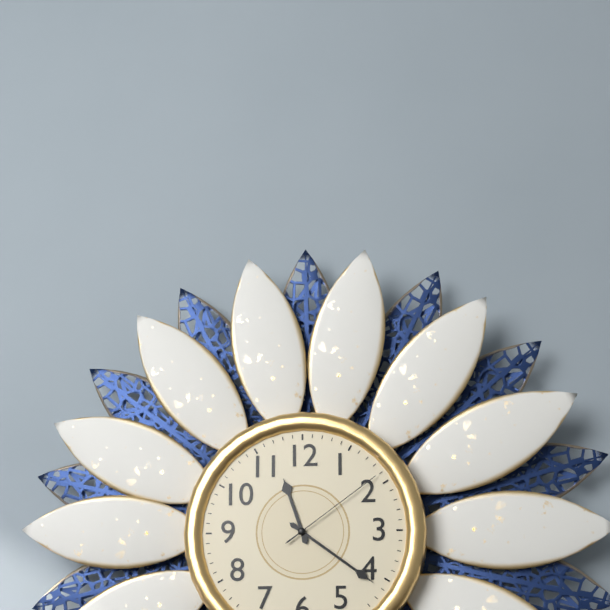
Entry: 11h21m09s
